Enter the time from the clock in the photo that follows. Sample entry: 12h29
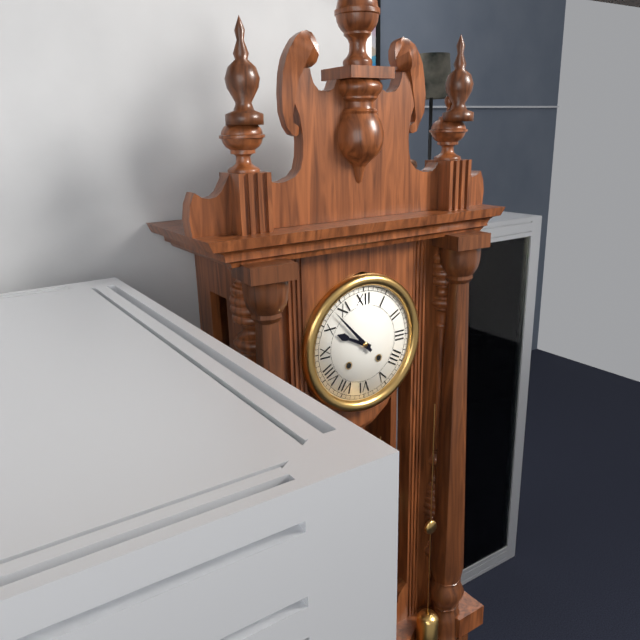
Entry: 9h53
